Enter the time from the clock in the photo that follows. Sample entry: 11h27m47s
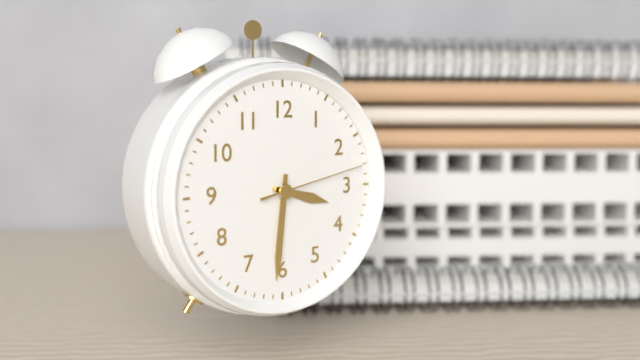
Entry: 3h31m13s
